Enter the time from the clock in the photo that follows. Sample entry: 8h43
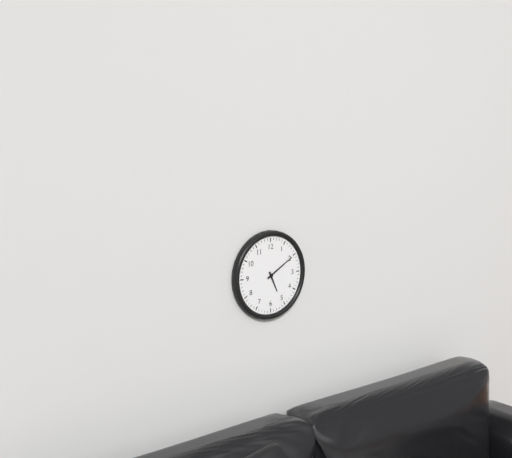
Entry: 5h10
